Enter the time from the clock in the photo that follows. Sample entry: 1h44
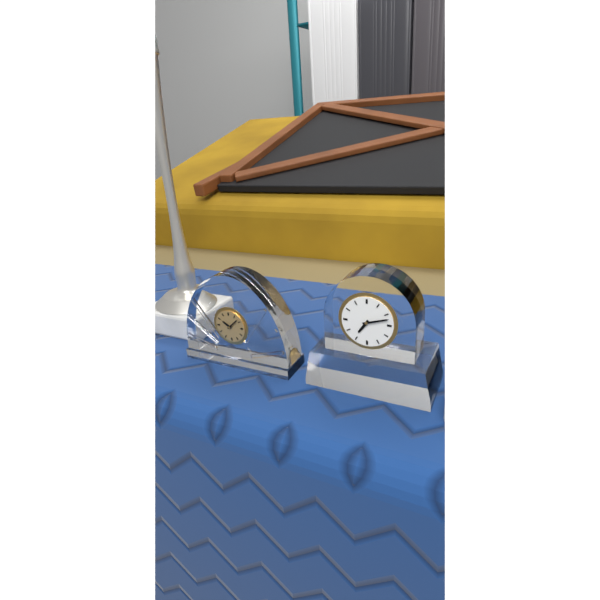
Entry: 7h12
